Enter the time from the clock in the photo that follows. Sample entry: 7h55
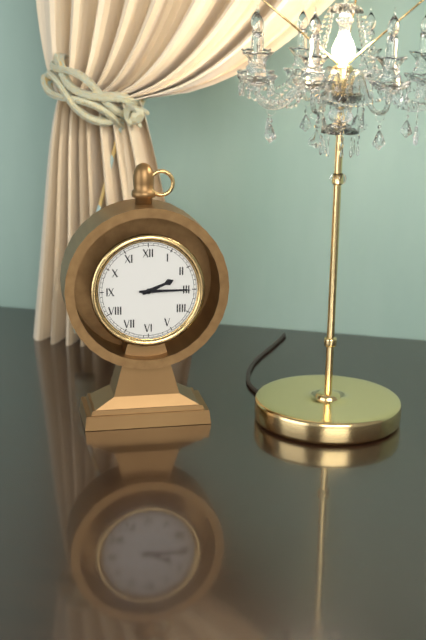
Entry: 2h15
